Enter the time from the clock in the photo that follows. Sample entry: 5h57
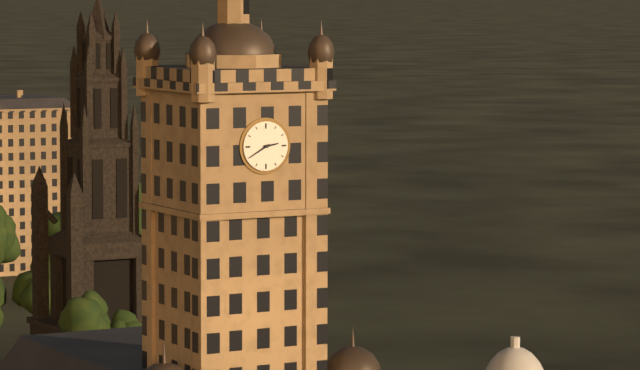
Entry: 2h40
